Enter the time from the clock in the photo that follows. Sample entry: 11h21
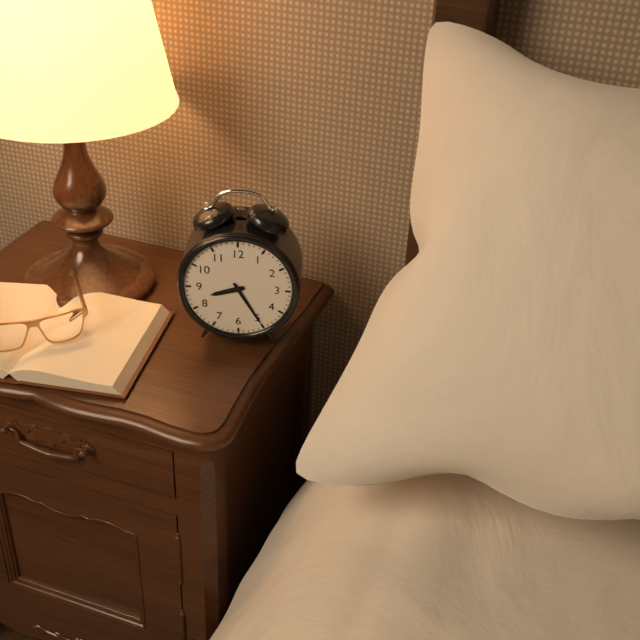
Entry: 8h25
